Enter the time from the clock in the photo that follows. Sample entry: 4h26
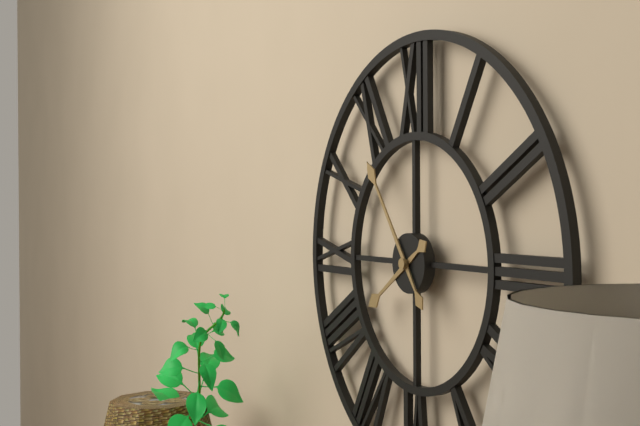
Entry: 7h54
